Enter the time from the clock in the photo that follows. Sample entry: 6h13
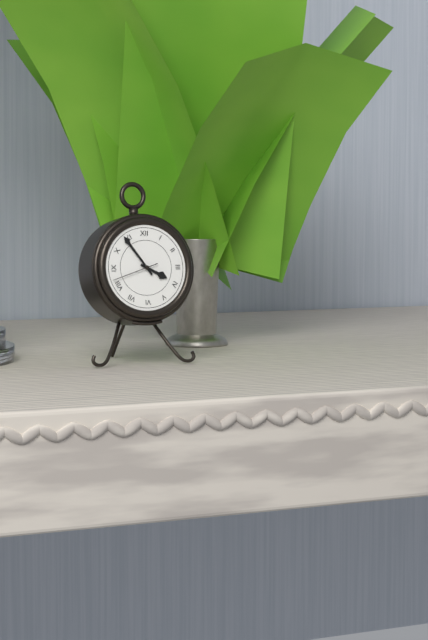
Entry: 3h54
